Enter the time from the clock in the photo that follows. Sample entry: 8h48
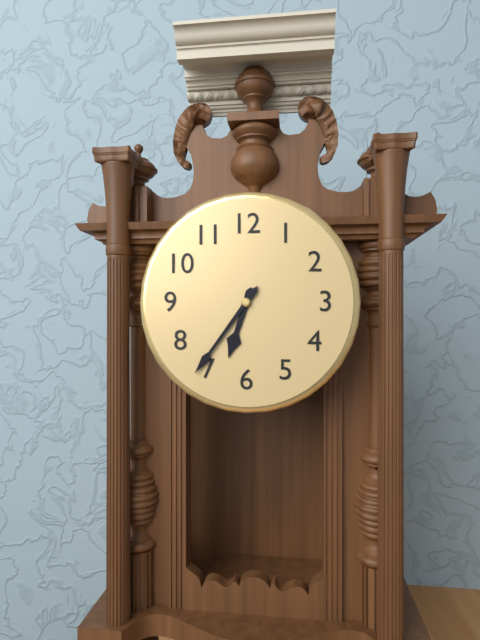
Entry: 6h36
